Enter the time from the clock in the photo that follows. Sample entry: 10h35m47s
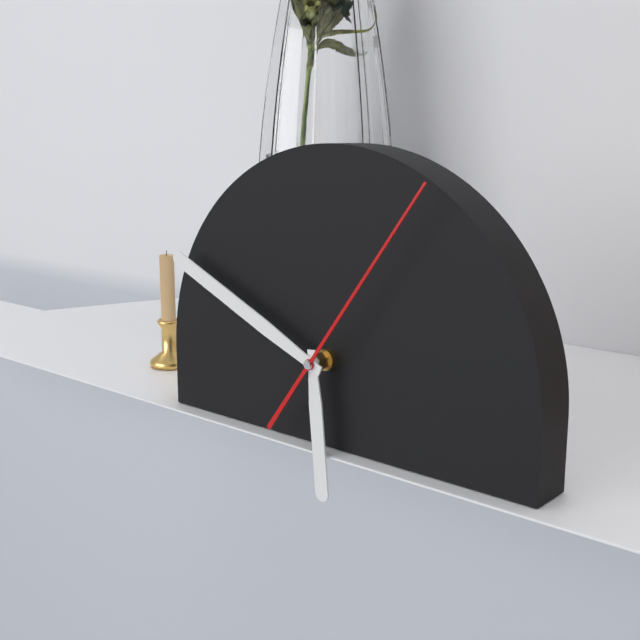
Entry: 5h49m06s
